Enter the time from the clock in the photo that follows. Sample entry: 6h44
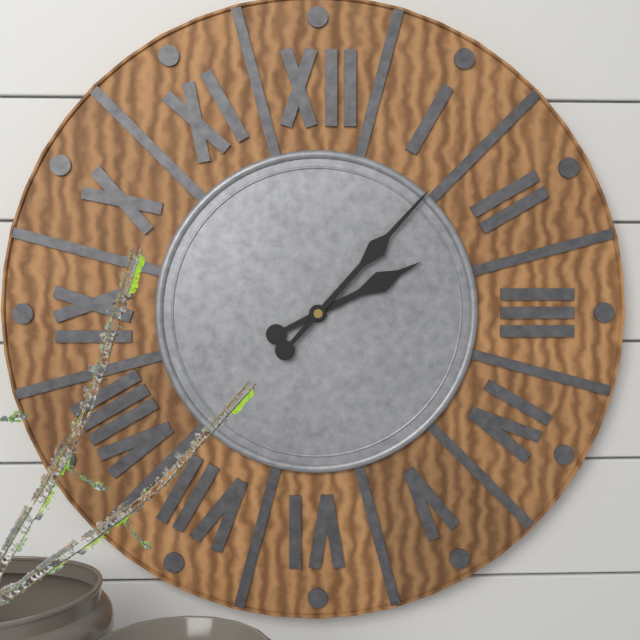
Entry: 2h07
